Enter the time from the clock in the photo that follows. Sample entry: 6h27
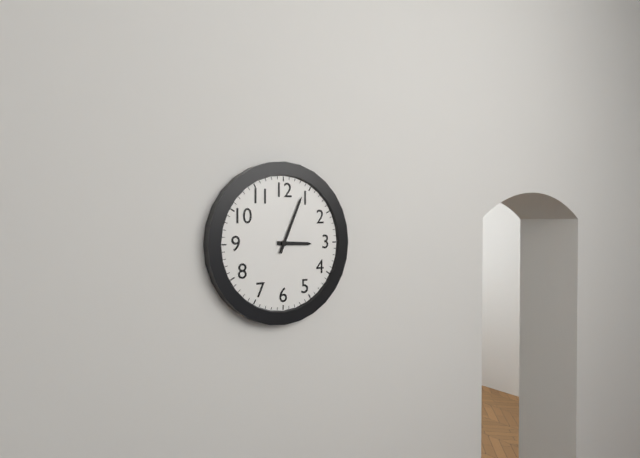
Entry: 3h04
